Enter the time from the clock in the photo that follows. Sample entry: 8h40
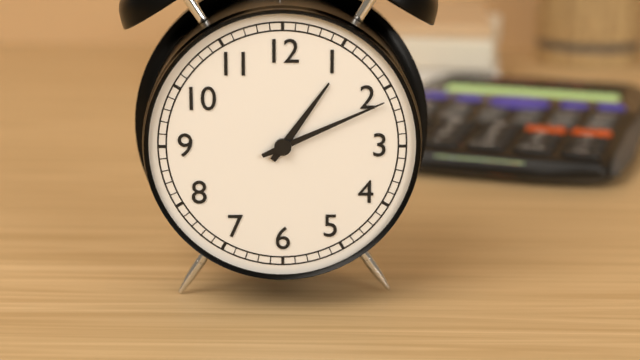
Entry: 1h11
